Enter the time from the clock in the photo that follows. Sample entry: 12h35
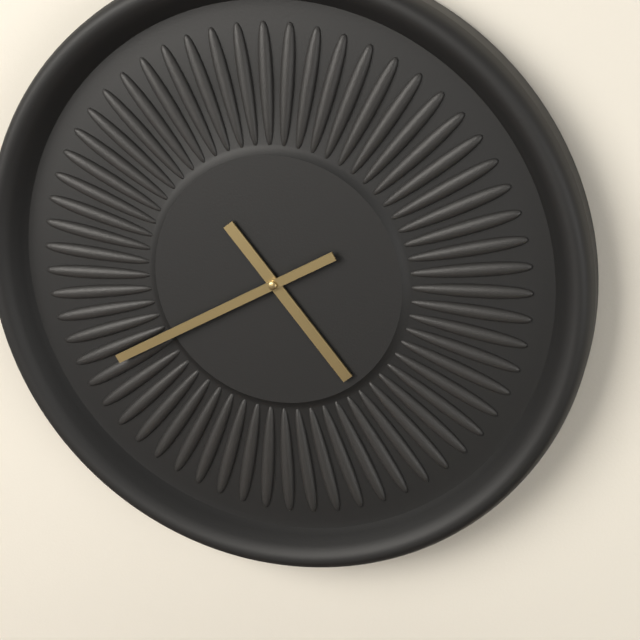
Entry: 4h40
